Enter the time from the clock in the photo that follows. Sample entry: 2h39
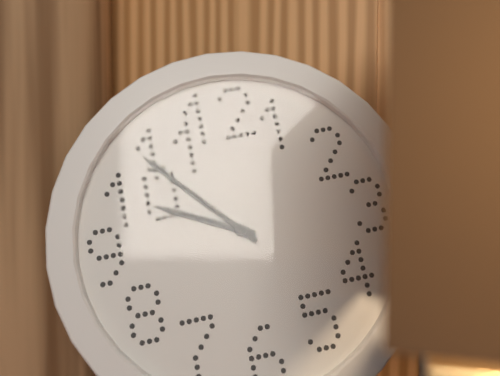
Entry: 9h53
